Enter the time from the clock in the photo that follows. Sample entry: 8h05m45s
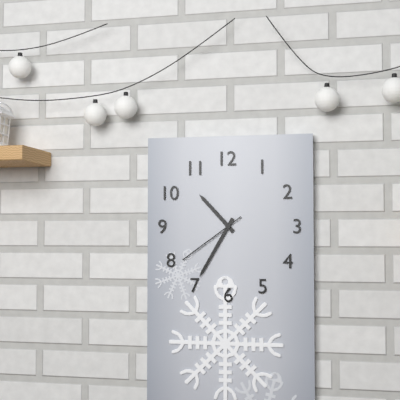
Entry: 10h35m39s
